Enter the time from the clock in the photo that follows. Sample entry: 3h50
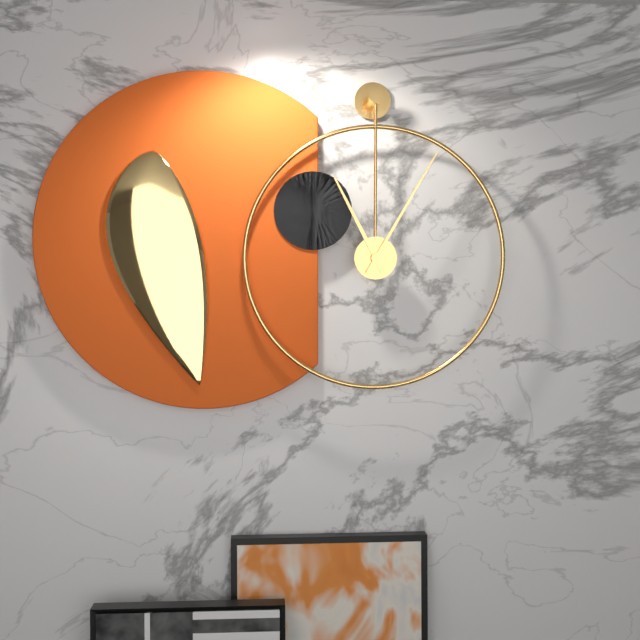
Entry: 11h05
